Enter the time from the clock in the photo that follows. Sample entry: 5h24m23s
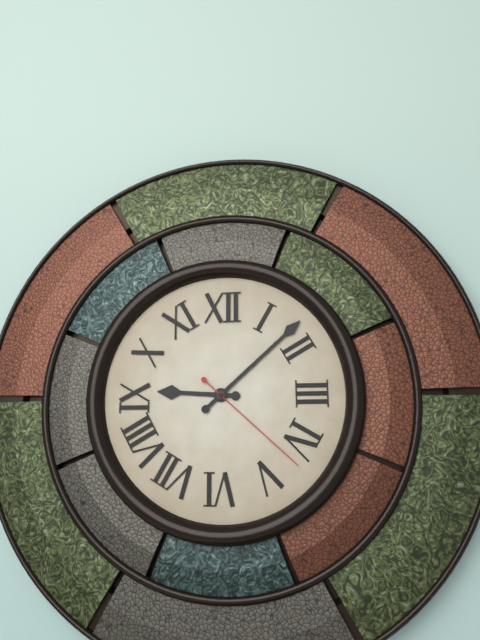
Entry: 9h08m22s
